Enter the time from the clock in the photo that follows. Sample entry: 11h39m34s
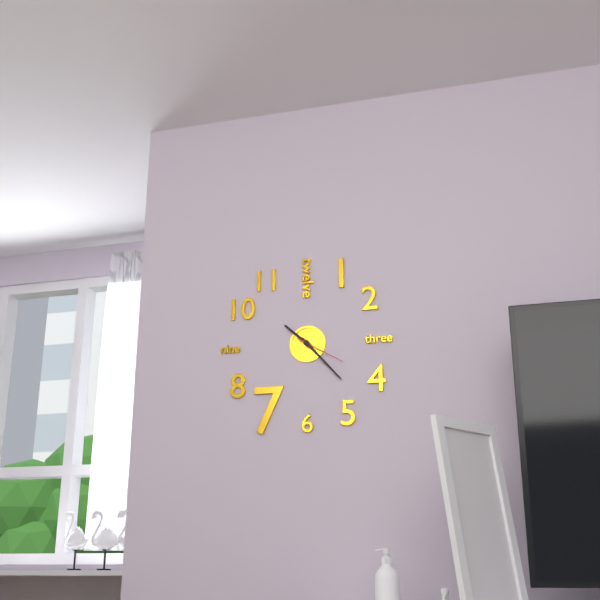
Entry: 10h23m20s
